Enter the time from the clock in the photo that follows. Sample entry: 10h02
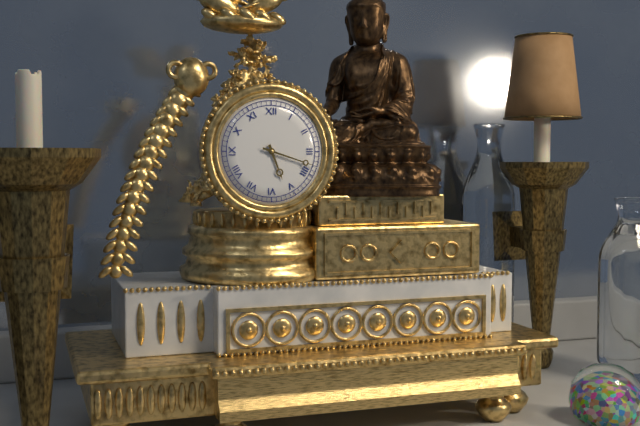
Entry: 5h18
